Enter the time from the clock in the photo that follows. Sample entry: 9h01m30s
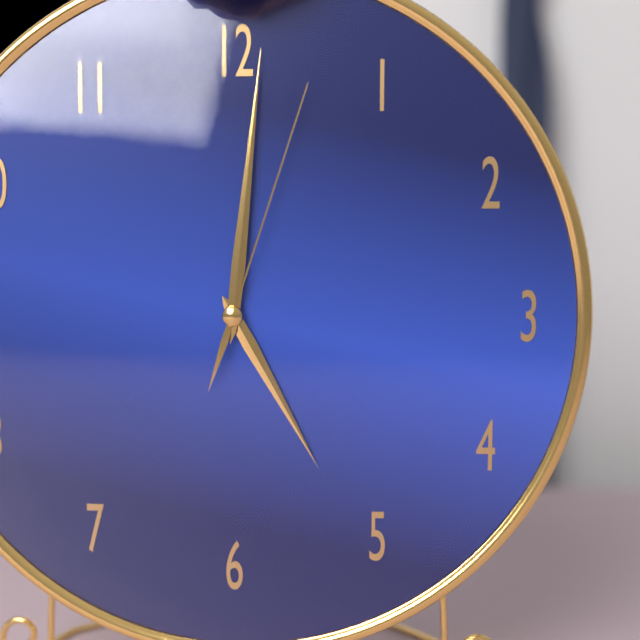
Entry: 5h01m03s
